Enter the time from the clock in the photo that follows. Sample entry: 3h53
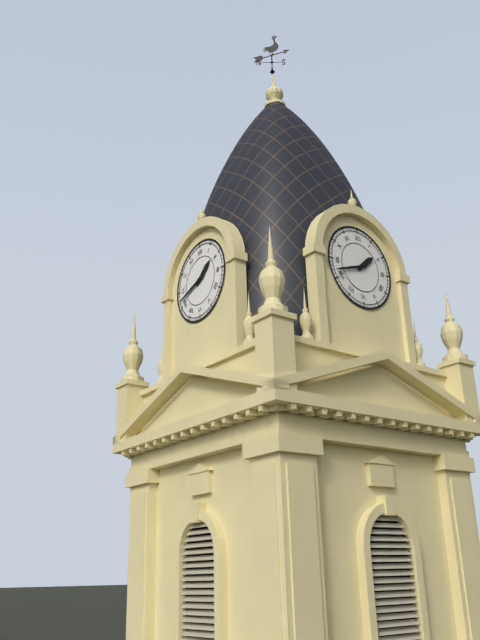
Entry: 1h42
